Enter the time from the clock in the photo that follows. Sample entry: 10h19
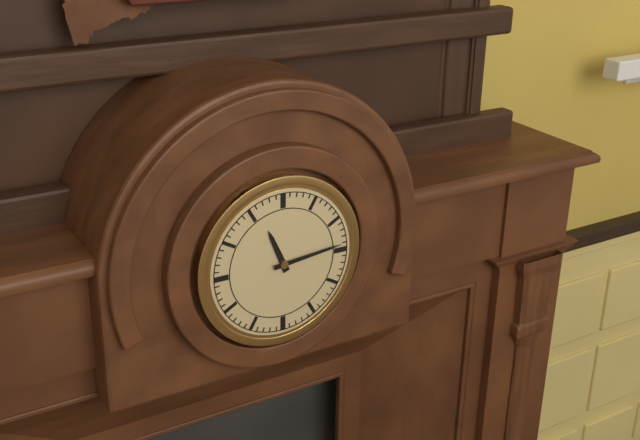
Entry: 11h14
